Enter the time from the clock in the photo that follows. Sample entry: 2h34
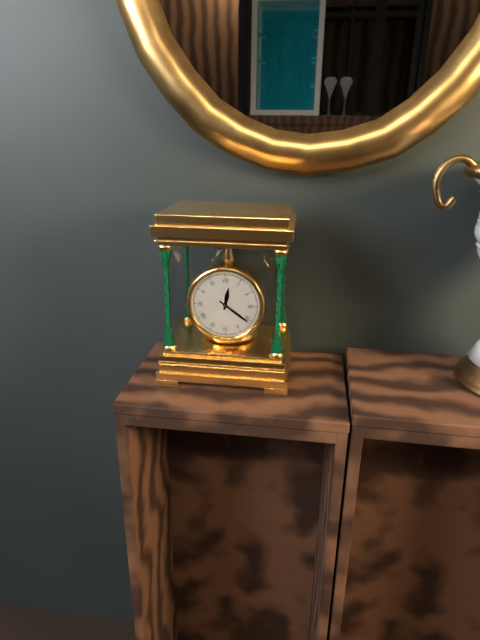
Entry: 12h21
